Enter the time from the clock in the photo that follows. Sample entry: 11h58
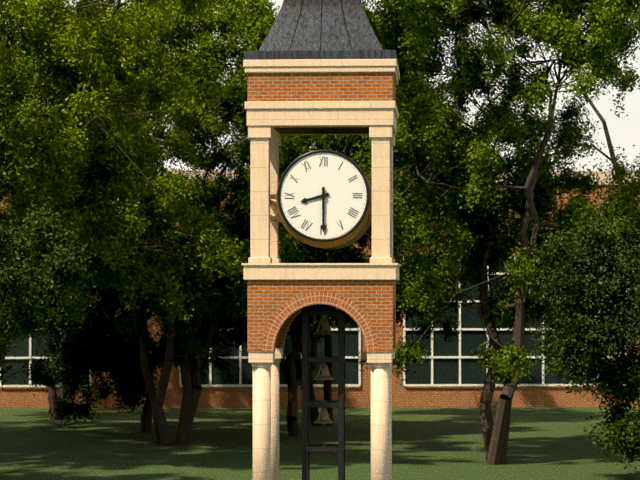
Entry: 8h30
